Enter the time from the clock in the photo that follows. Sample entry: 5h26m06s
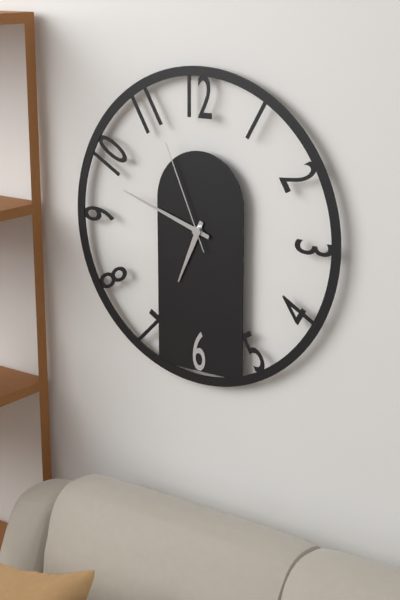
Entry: 6h48m56s
